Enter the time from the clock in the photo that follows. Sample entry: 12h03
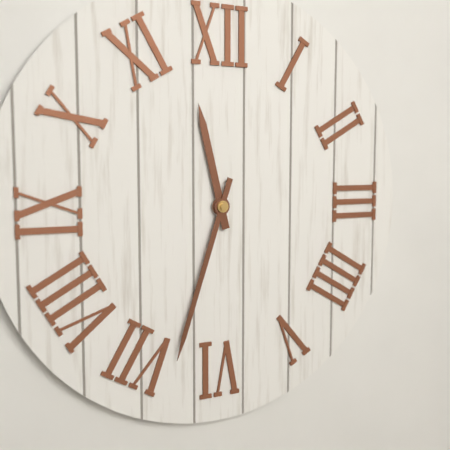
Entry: 11h33
